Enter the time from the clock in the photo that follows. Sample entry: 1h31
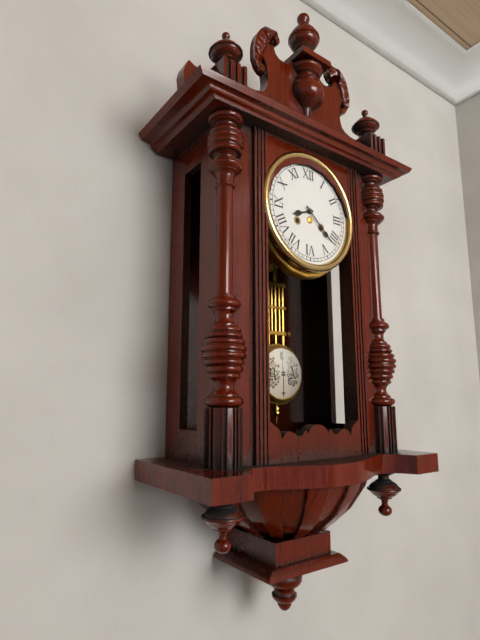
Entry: 8h22
